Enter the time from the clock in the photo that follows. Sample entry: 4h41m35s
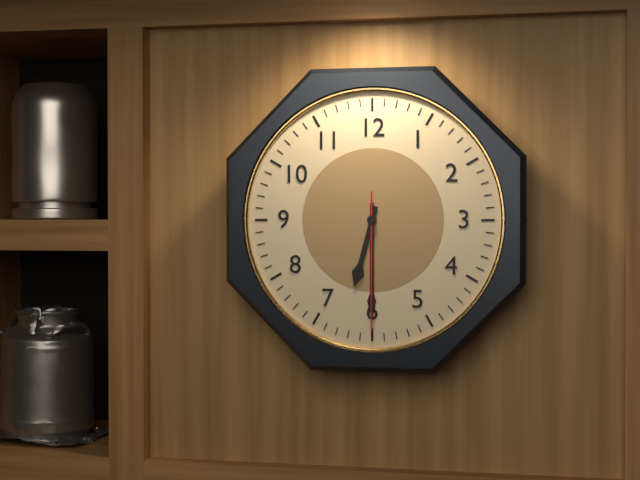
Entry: 6h30m30s
